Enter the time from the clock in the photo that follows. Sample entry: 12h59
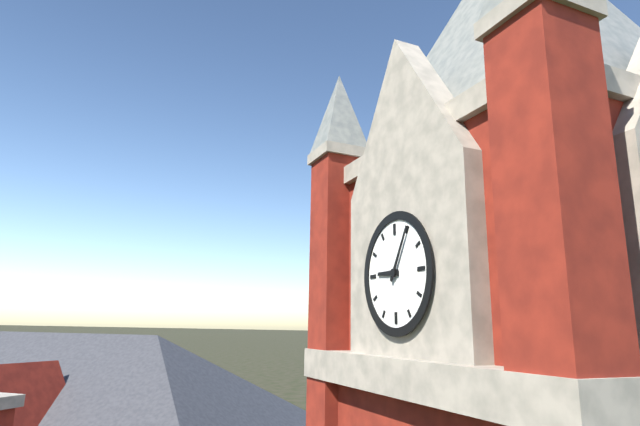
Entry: 9h05
